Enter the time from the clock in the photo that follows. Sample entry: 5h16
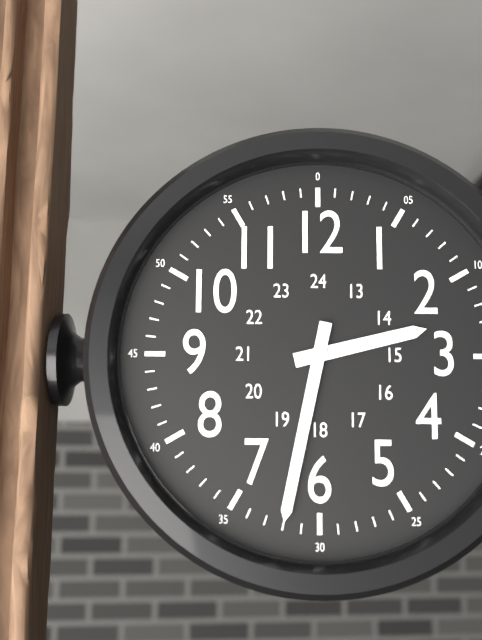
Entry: 2h32
